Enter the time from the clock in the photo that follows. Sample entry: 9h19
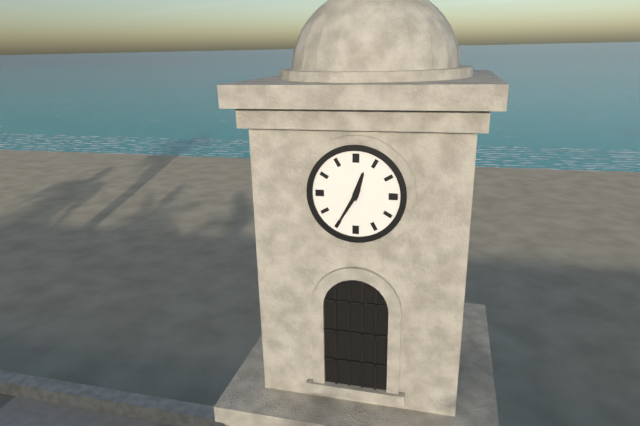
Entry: 12h35
